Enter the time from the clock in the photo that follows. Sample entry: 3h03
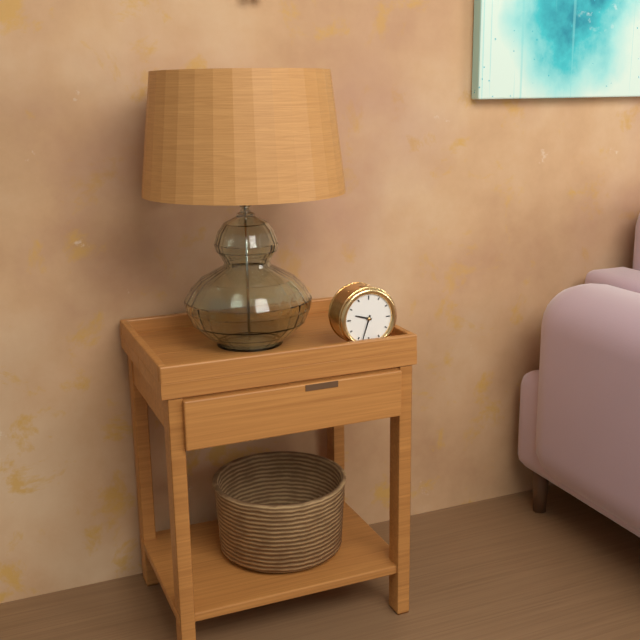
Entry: 9h33
